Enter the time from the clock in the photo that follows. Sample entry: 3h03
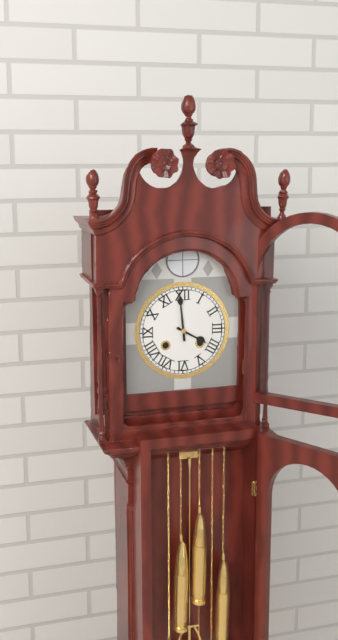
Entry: 3h59
